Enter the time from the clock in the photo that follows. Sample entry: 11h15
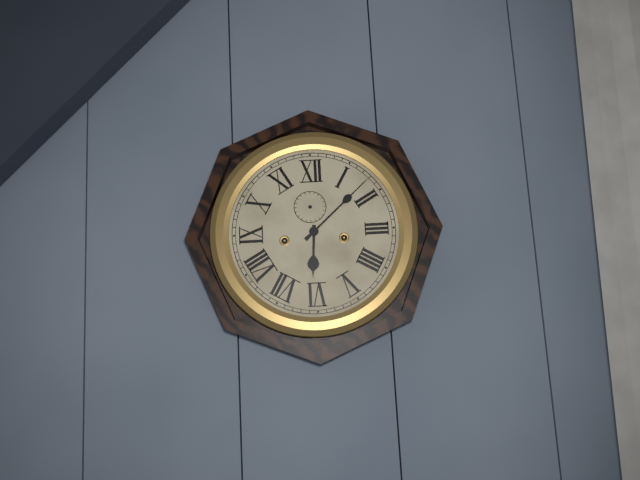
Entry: 6h08
